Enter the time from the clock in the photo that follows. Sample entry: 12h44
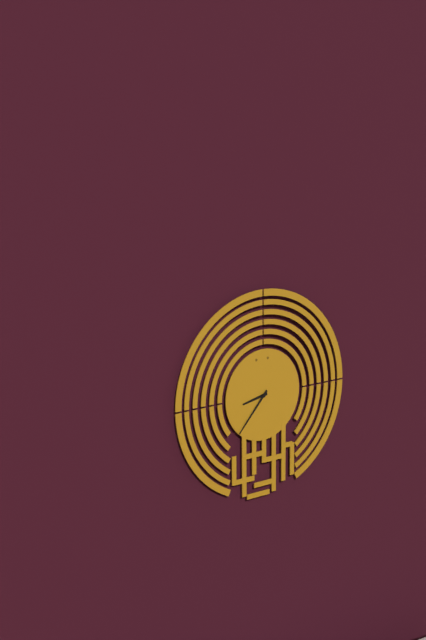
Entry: 8h37
